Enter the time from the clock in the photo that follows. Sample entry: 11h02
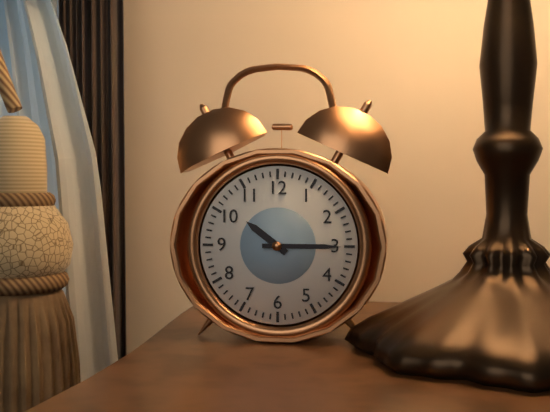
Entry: 10h15
